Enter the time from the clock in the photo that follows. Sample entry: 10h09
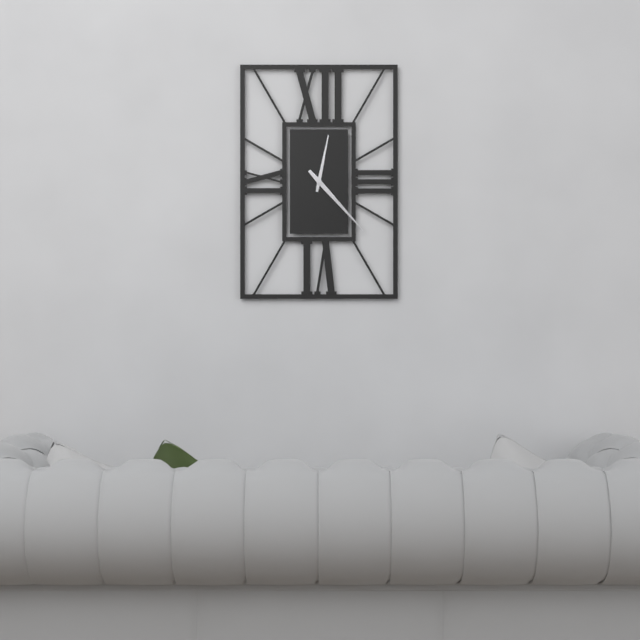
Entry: 12h23
